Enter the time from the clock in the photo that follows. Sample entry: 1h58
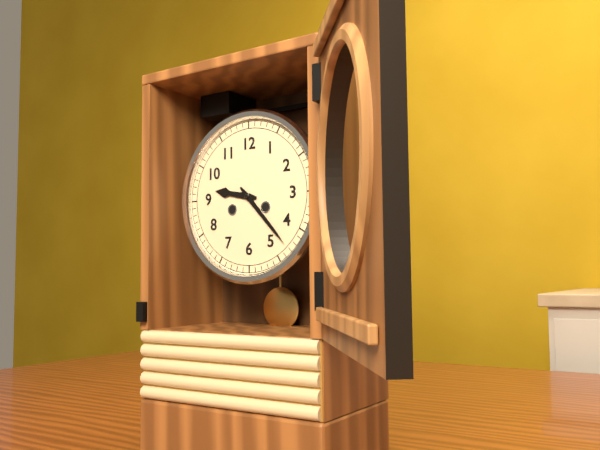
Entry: 9h23
